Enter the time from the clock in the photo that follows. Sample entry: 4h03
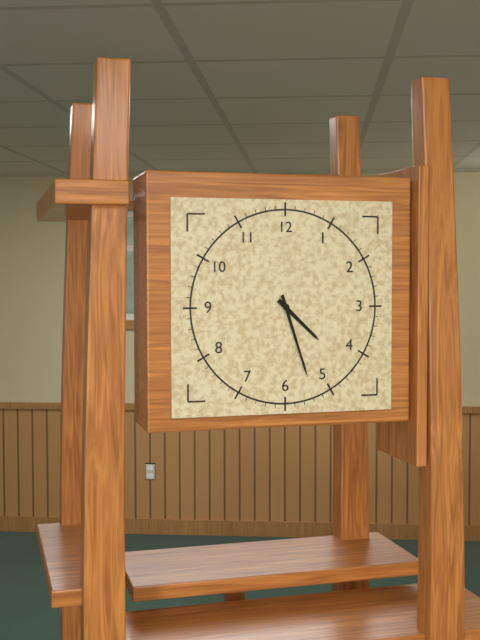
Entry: 4h27
